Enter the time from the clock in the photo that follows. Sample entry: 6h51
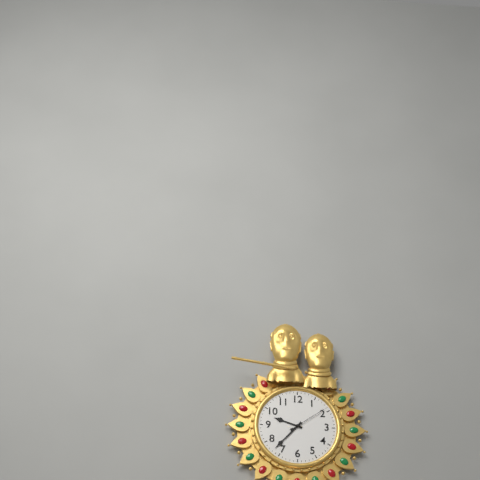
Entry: 9h37
